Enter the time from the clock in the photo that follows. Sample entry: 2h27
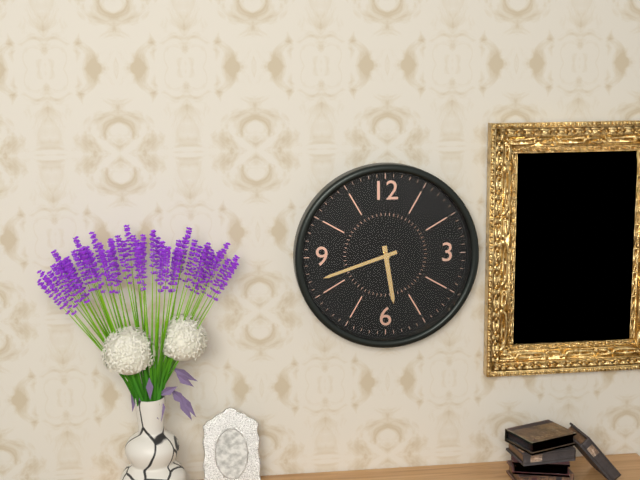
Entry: 5h42
